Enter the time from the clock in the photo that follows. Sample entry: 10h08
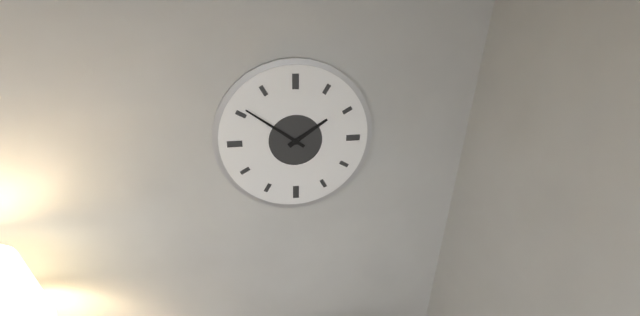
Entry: 1h51
